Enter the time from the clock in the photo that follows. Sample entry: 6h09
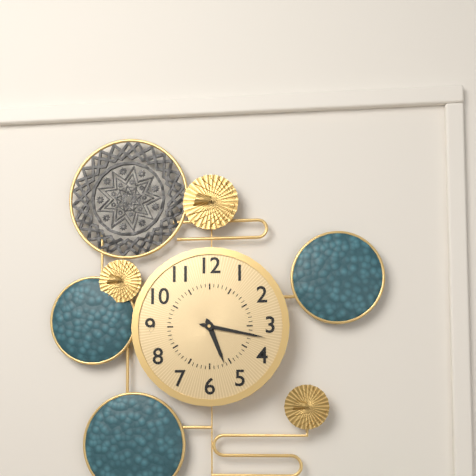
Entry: 5h17
